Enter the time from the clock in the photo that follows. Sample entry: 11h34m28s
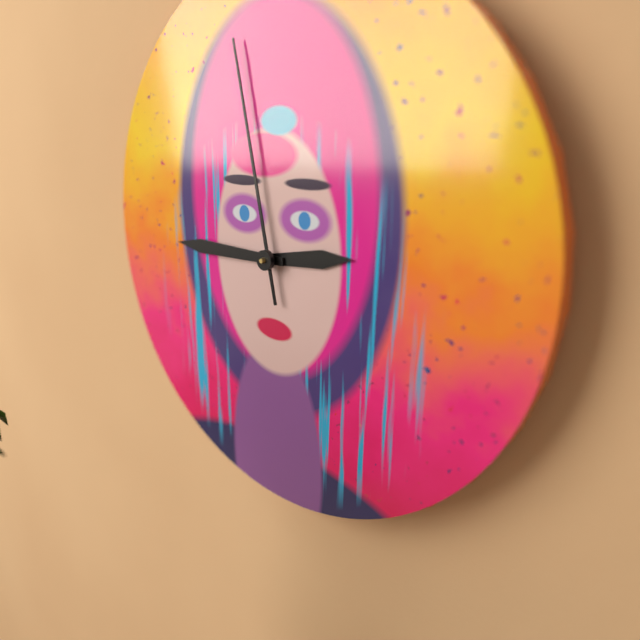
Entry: 2h45m58s
